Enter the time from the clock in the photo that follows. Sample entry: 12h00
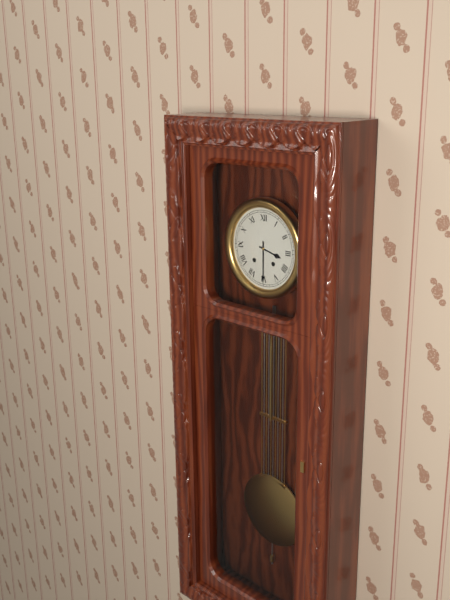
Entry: 3h30
